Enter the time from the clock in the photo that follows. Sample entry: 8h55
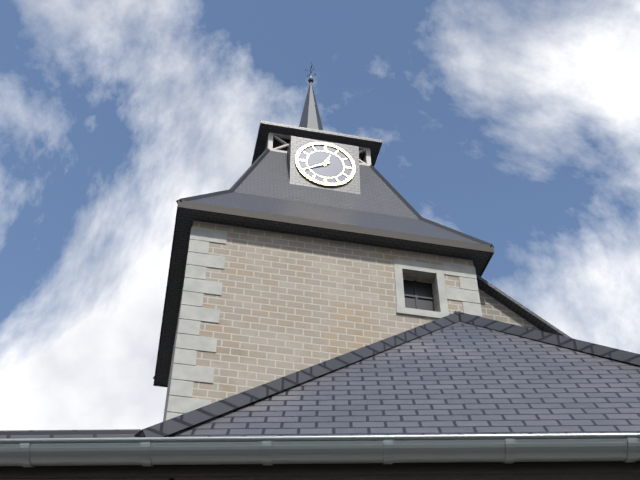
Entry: 12h40
